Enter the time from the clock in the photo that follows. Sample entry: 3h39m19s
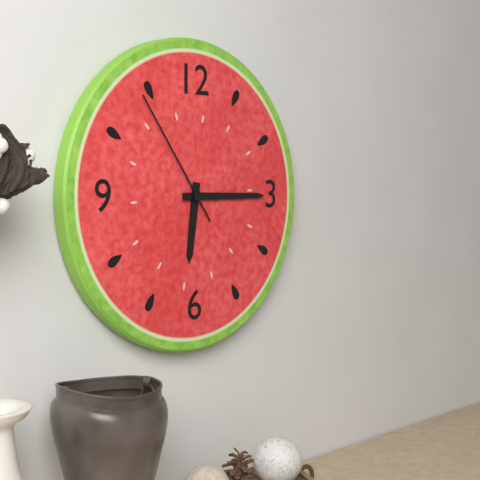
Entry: 6h15m54s
